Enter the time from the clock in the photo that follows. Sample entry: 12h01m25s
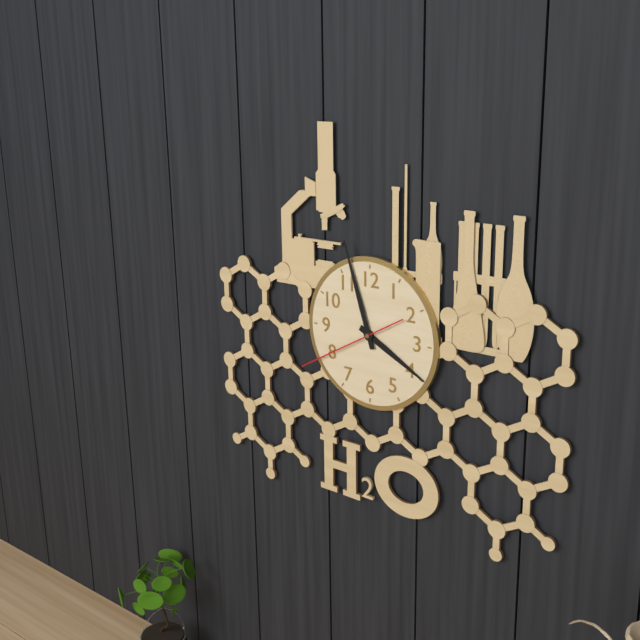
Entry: 3h57m40s
